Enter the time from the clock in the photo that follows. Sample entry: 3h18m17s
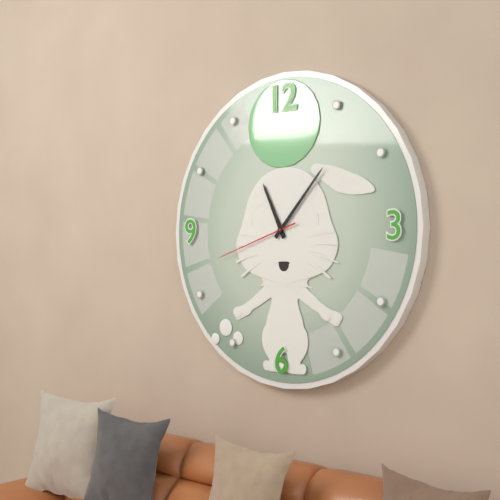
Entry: 11h07m42s
